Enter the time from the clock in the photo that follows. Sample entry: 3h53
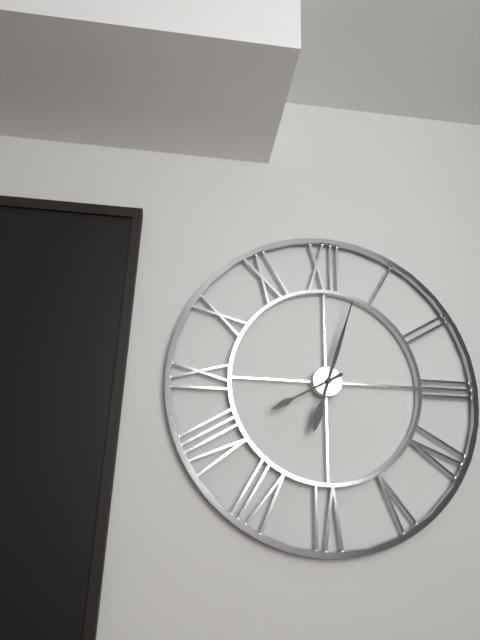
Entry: 8h03
